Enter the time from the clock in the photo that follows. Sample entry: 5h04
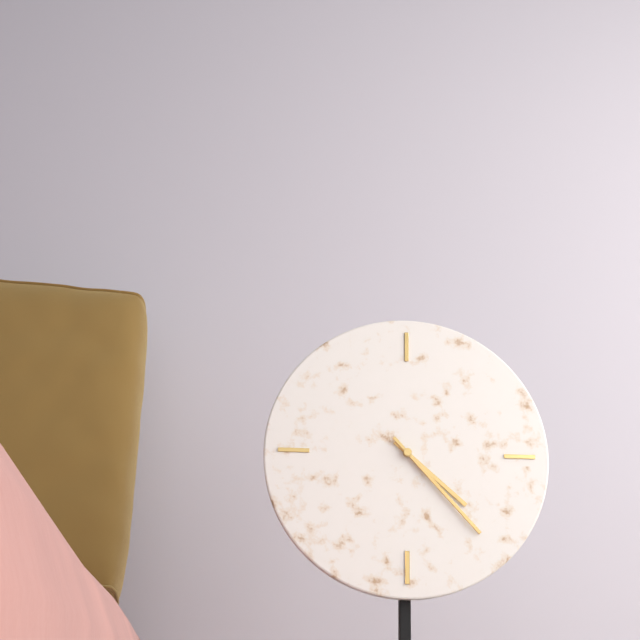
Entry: 4h23
